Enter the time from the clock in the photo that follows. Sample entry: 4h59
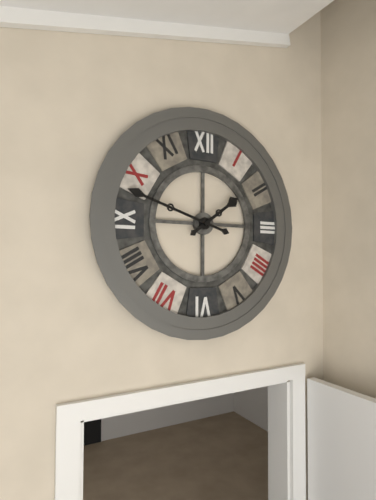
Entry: 1h48
